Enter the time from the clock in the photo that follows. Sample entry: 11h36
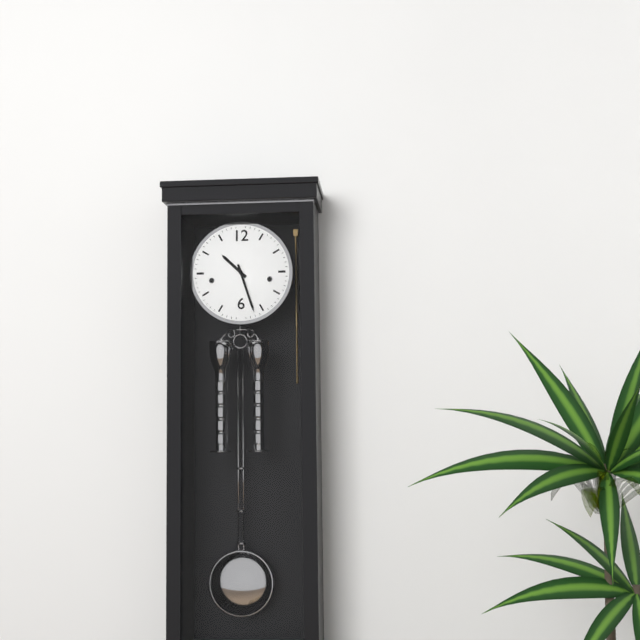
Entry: 10h27
